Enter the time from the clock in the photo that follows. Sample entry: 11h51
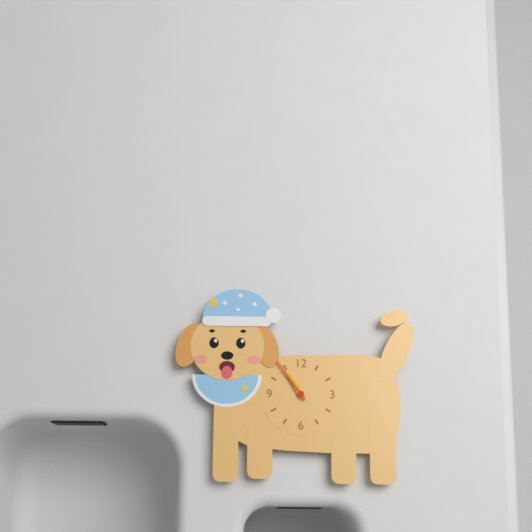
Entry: 10h54
